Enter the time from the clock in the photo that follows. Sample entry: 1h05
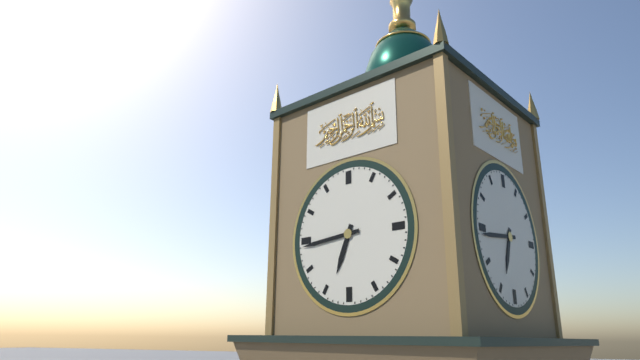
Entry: 6h44
